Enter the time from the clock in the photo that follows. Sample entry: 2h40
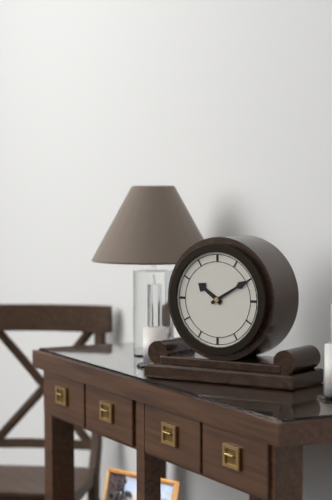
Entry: 10h10
